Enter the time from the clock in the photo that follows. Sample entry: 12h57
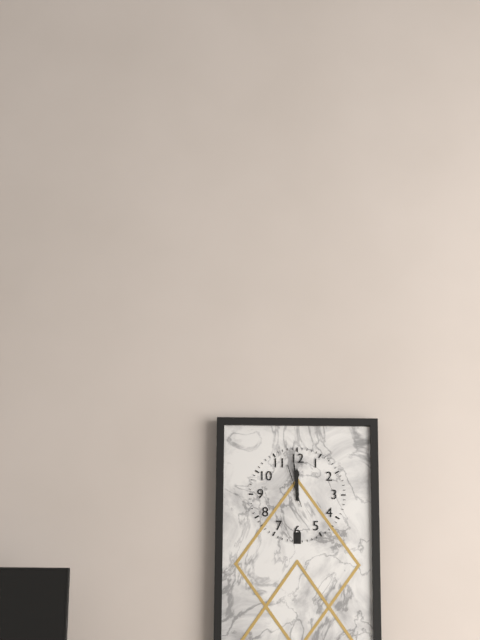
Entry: 11h59
